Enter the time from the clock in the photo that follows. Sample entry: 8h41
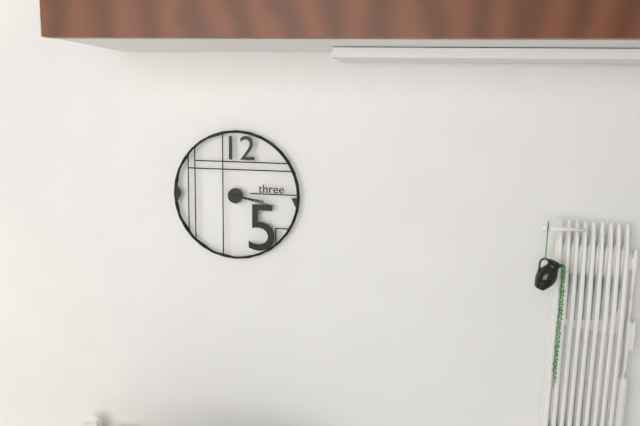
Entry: 3h17
